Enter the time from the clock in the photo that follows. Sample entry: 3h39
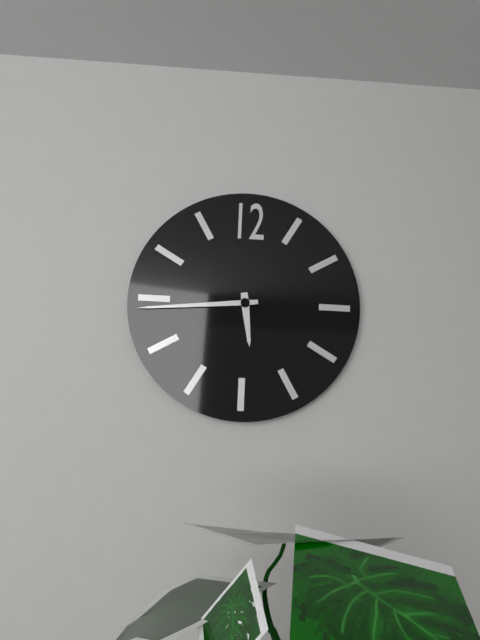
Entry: 5h44
